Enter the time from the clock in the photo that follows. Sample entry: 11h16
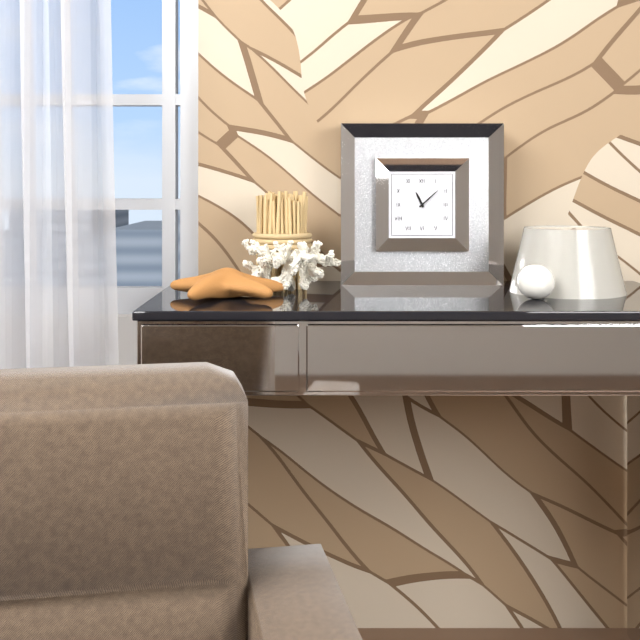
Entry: 11h08
